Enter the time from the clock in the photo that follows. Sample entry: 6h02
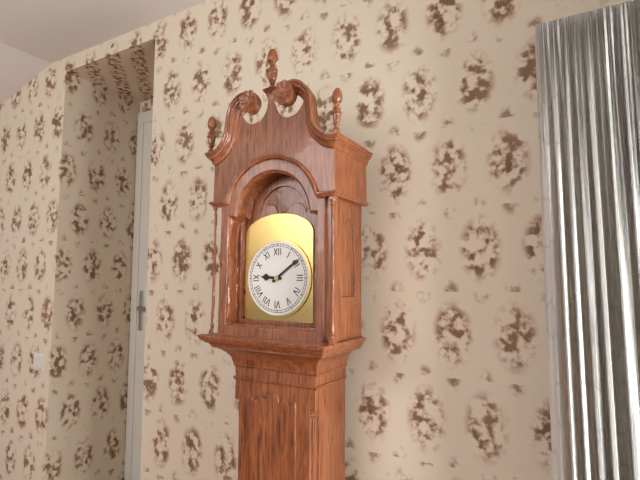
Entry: 9h09
